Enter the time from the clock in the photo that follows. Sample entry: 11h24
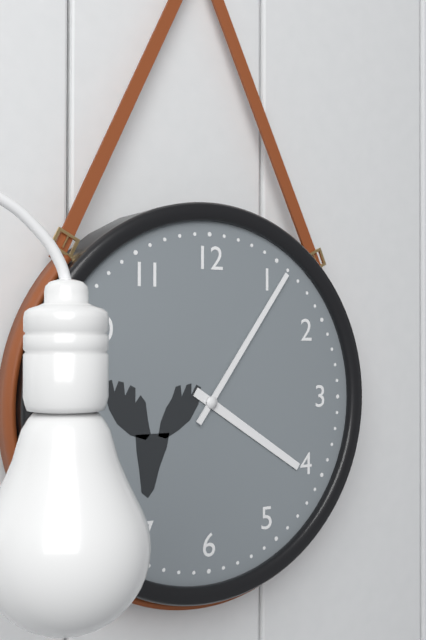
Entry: 4h06
